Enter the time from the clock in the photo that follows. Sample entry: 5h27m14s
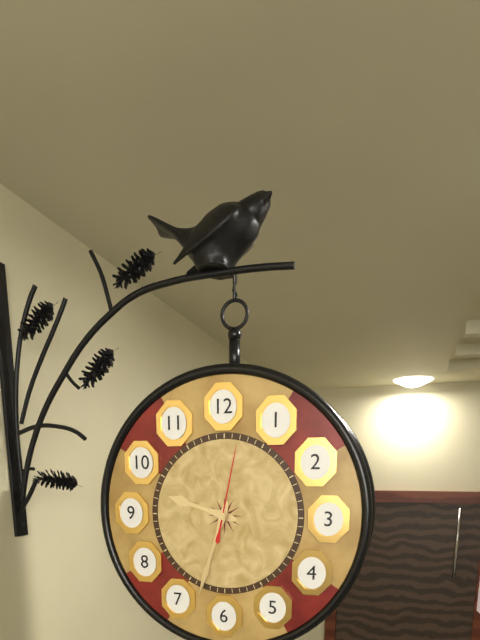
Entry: 9h33m02s
